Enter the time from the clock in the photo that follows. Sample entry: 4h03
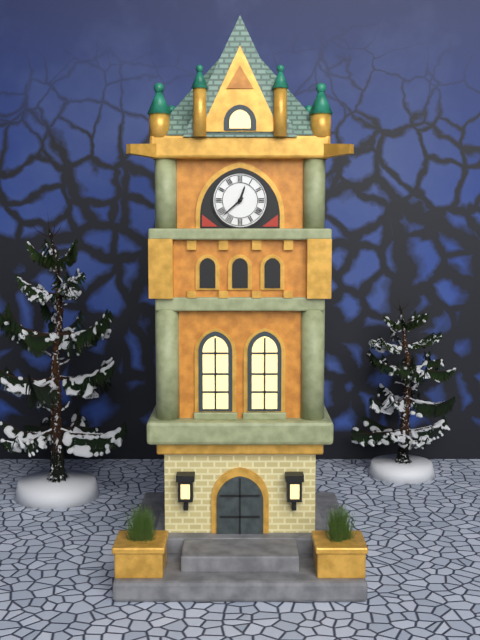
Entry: 12h38
